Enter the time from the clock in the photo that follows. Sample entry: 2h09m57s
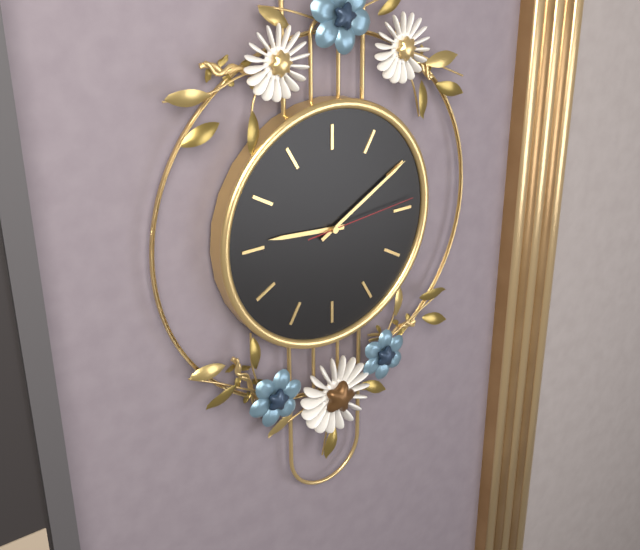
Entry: 9h10m14s
